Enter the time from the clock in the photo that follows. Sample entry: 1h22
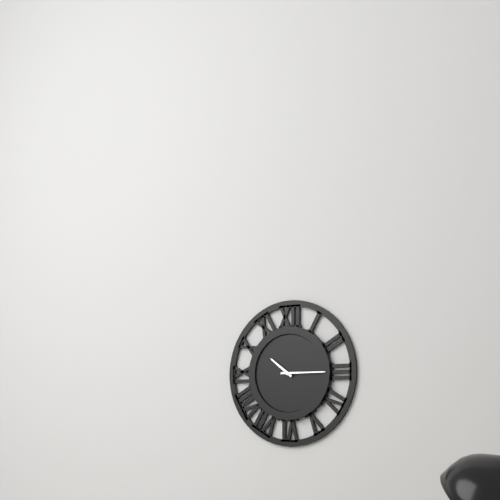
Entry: 10h15
